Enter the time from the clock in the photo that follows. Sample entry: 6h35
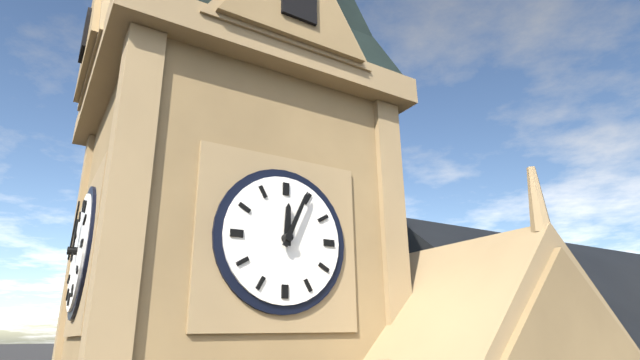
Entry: 12h04
